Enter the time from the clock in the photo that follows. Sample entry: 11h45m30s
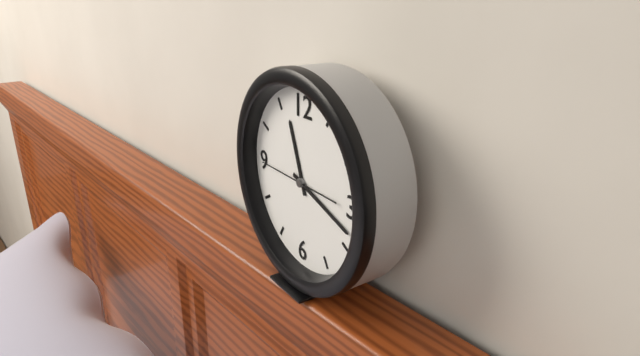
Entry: 11h18m45s
